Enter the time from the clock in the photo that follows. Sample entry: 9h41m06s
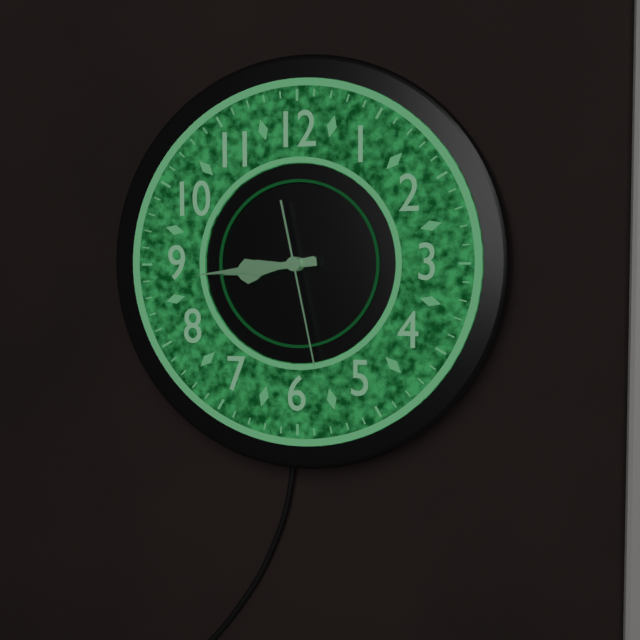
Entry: 8h44m28s
